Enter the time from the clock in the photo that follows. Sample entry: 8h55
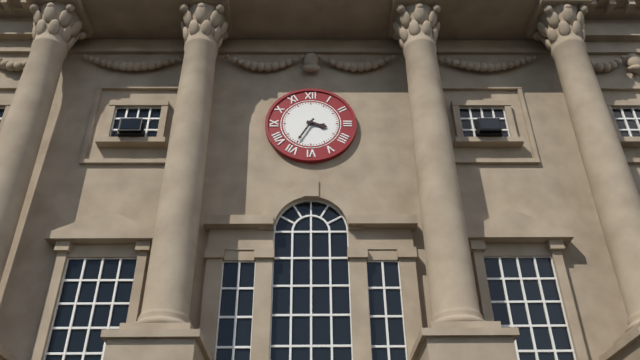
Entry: 3h35
